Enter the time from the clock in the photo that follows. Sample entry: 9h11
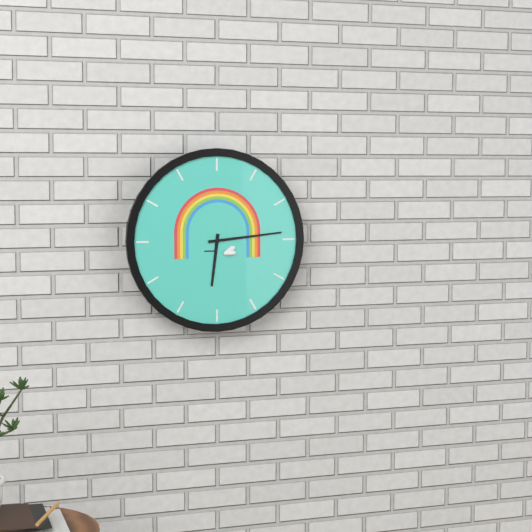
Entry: 6h14
